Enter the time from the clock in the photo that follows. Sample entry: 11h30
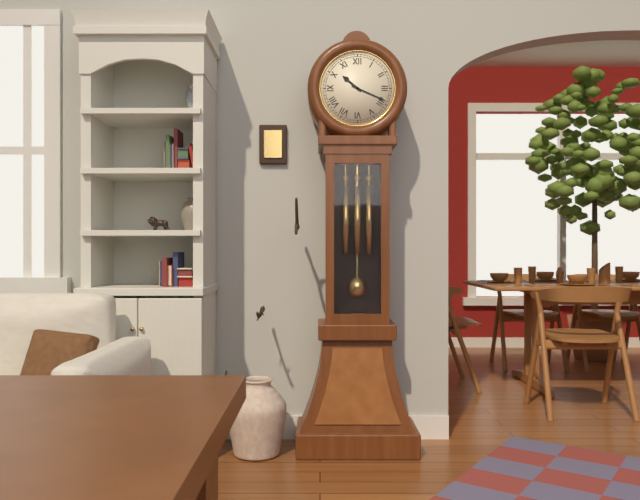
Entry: 10h19
